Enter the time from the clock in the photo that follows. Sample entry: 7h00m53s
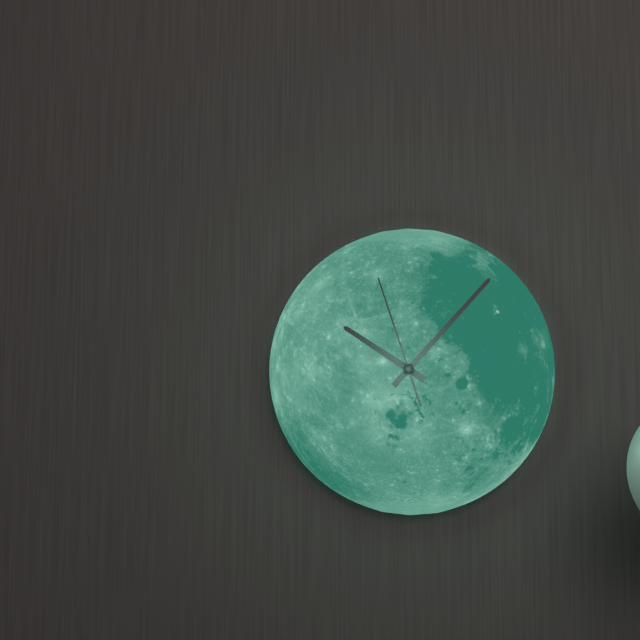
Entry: 10h07m57s
